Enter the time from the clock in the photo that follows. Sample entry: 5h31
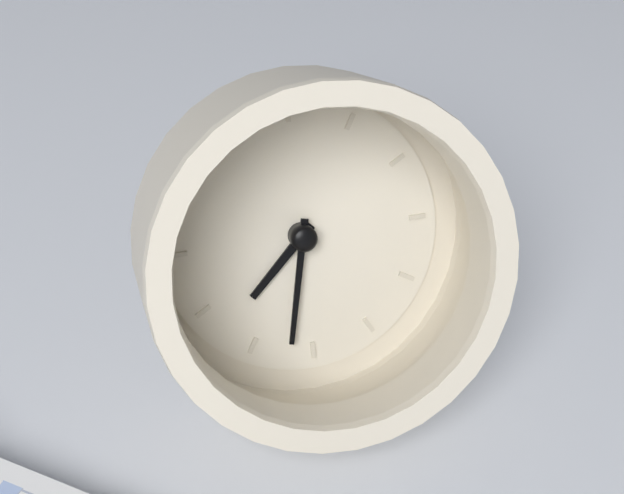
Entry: 7h32
